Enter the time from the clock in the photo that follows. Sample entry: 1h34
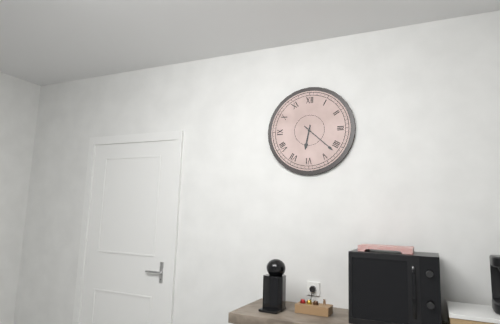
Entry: 6h22
